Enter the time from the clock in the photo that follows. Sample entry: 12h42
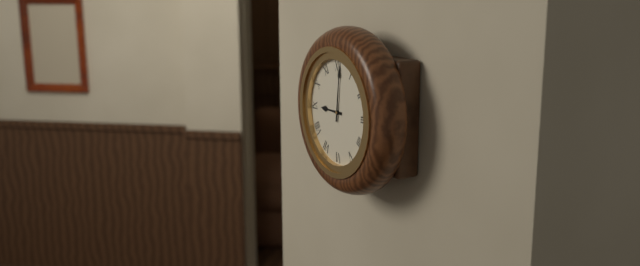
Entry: 9h01
